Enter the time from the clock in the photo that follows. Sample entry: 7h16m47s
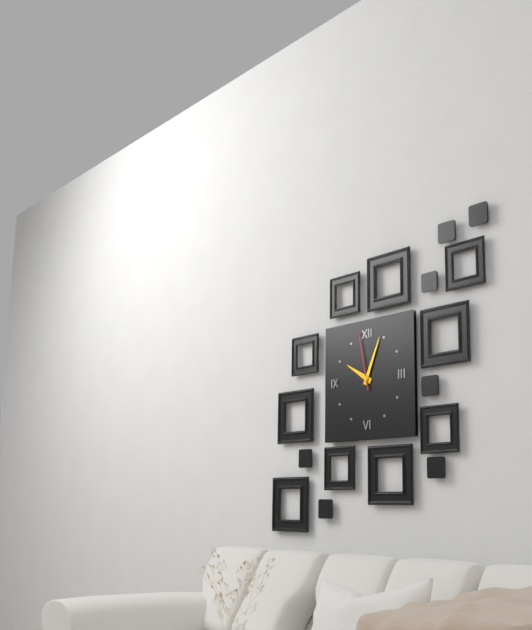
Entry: 10h04m58s
